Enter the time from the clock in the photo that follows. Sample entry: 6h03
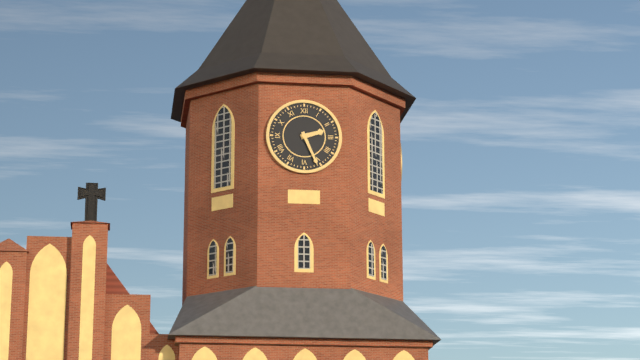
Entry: 2h26
